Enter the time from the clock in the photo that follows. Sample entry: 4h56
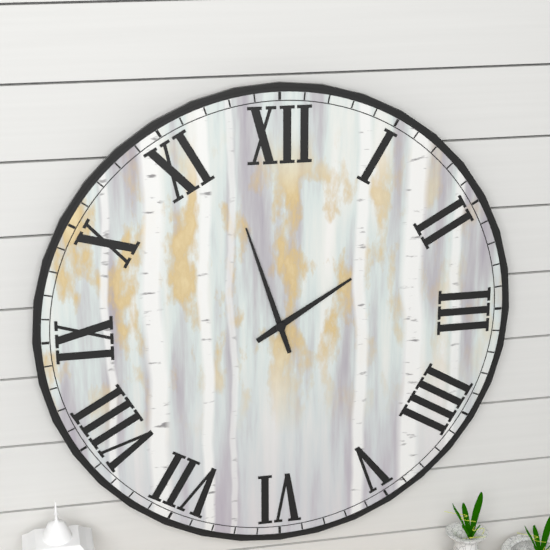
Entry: 1h57
